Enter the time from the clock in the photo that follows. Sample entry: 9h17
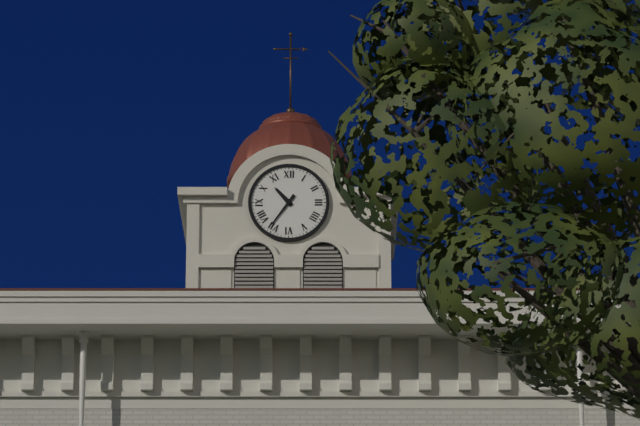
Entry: 10h36
